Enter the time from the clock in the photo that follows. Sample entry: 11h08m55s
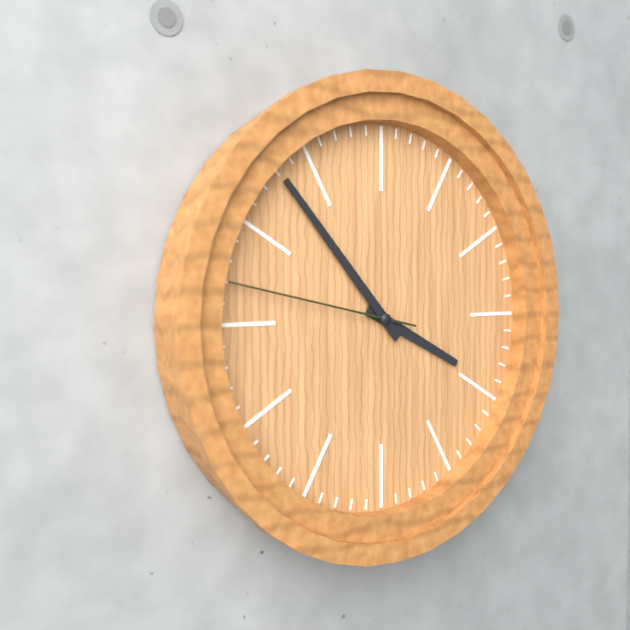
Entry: 3h53m47s
